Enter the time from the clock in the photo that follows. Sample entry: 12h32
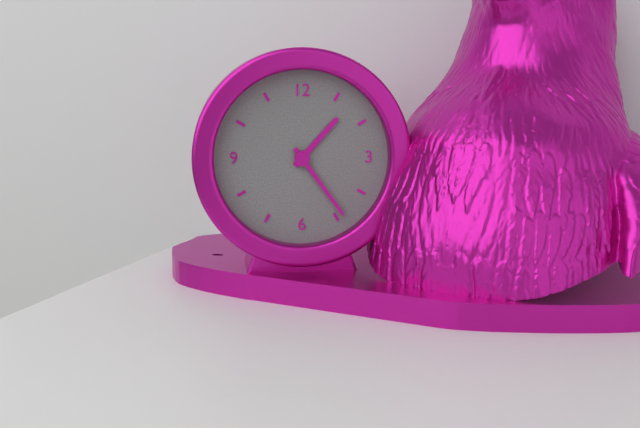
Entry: 1h24
